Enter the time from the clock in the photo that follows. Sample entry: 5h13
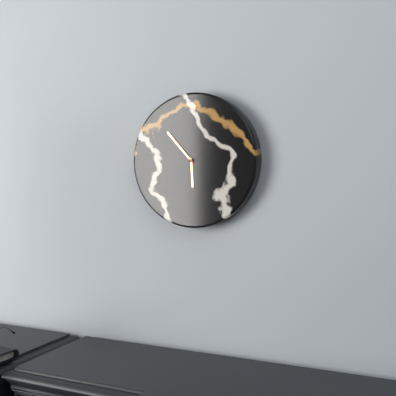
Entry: 5h53
